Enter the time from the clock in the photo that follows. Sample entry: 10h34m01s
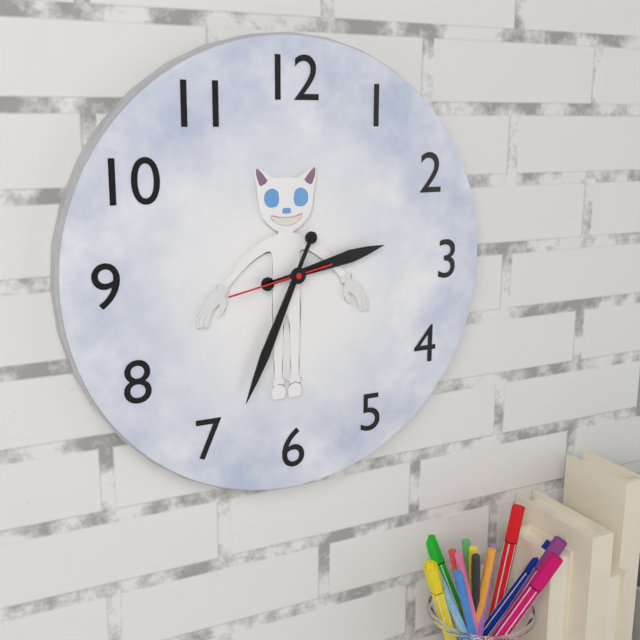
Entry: 2h34m43s
